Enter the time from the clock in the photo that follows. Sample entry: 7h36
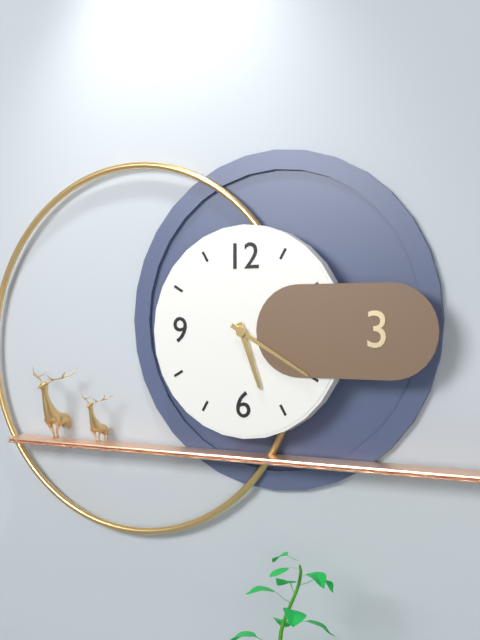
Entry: 5h20
